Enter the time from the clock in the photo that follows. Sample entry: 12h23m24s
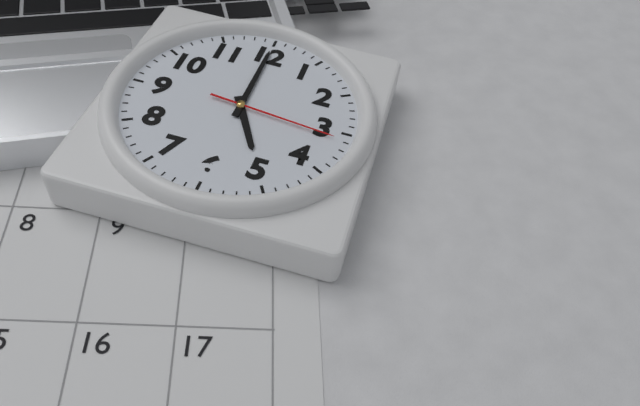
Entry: 5h00m16s
